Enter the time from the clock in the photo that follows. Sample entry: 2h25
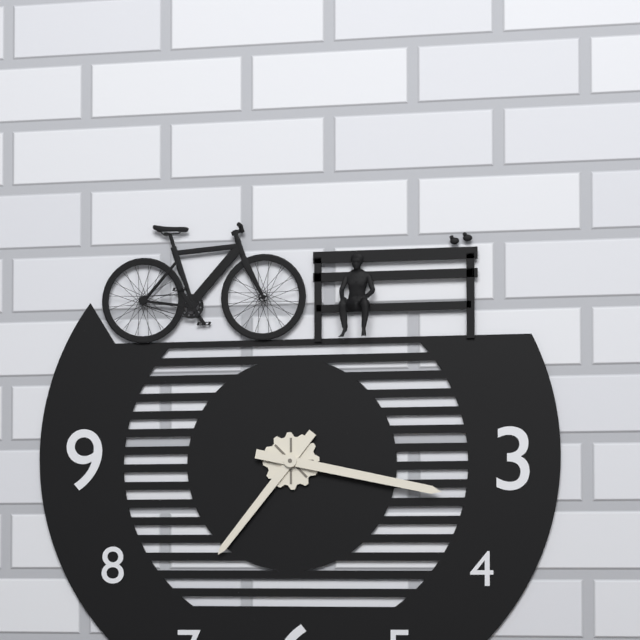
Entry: 7h17
